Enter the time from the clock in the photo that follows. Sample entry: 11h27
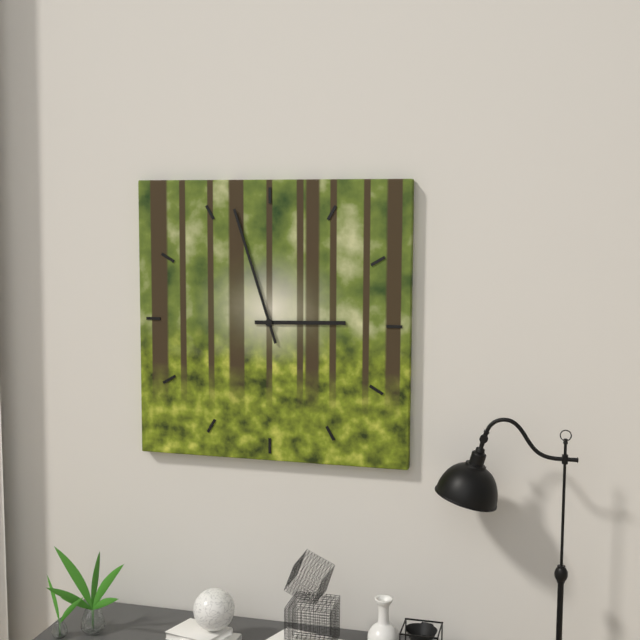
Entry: 2h57
